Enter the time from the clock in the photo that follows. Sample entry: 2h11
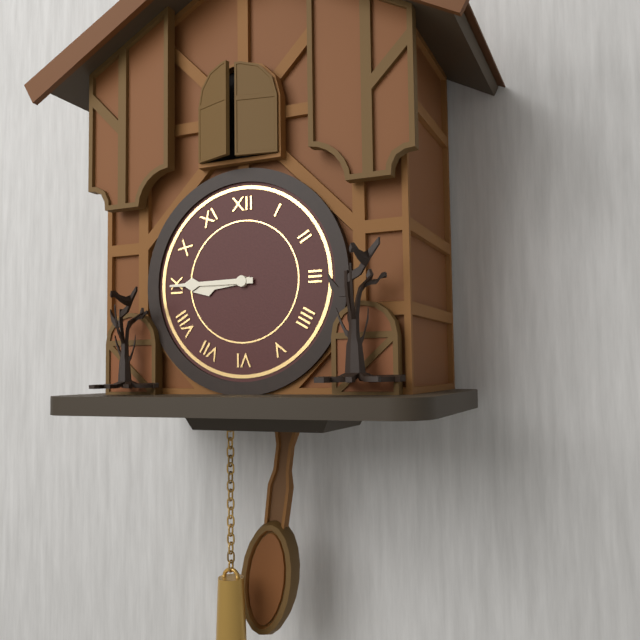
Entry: 8h45
